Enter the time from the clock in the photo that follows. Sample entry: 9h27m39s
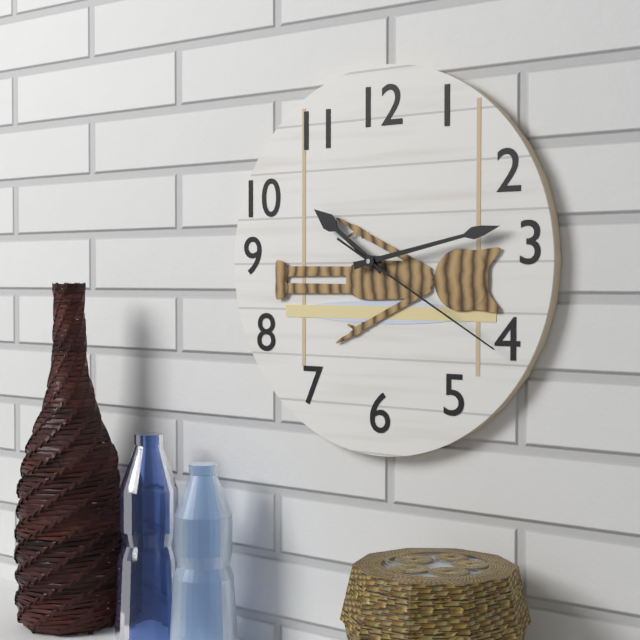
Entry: 10h13m20s
